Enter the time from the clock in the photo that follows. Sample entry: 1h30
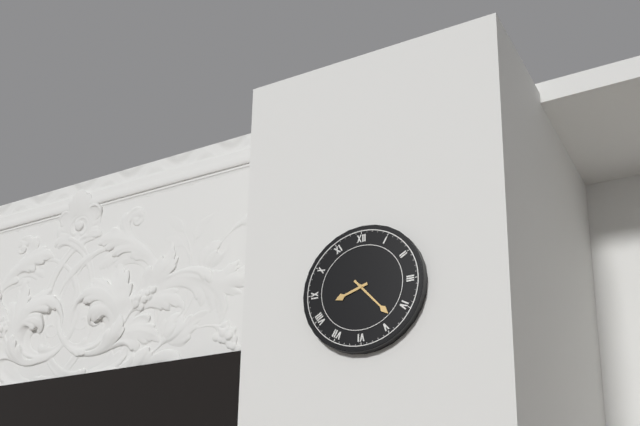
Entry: 8h23
